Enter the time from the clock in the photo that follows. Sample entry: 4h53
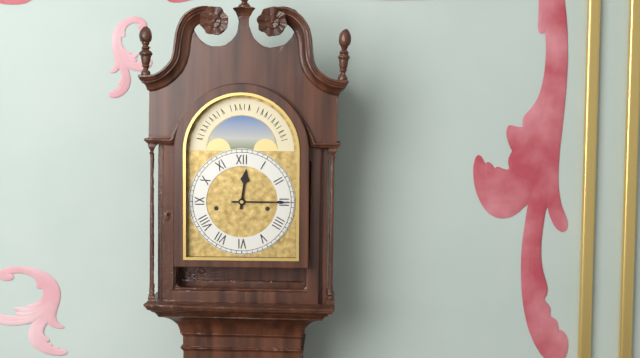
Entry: 12h15
